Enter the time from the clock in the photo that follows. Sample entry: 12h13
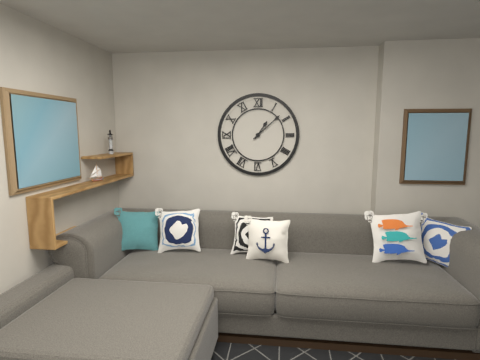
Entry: 1h08
